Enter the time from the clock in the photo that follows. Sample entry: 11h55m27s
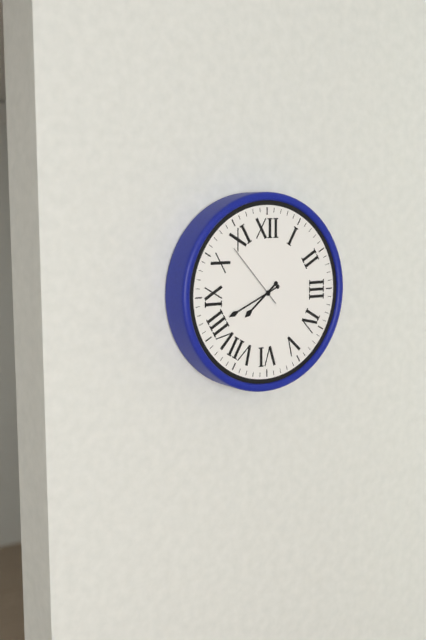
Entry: 7h41m53s
